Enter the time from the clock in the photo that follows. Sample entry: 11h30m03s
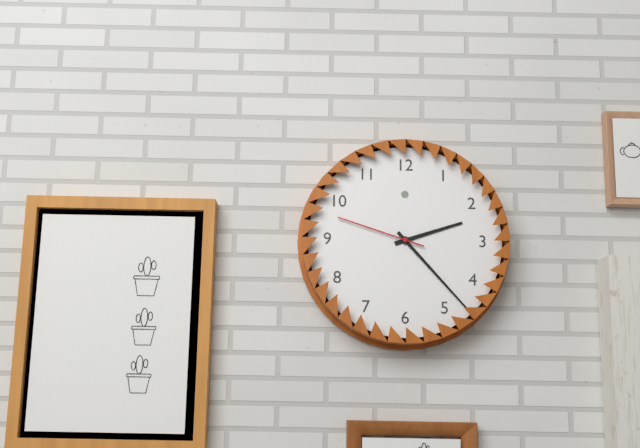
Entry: 2h23m48s
